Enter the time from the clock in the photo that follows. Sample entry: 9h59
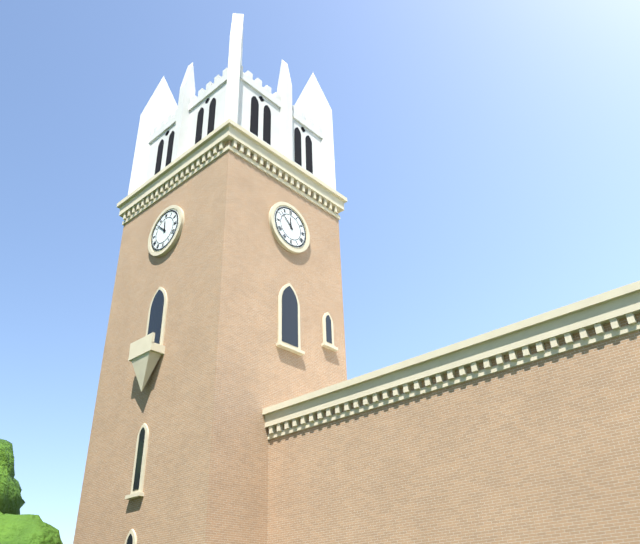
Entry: 11h52
